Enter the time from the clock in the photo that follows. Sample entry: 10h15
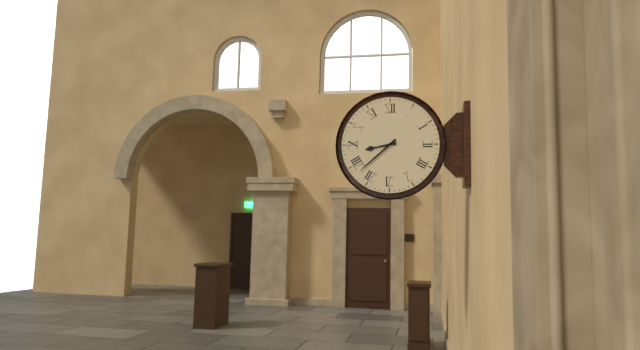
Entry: 8h38
